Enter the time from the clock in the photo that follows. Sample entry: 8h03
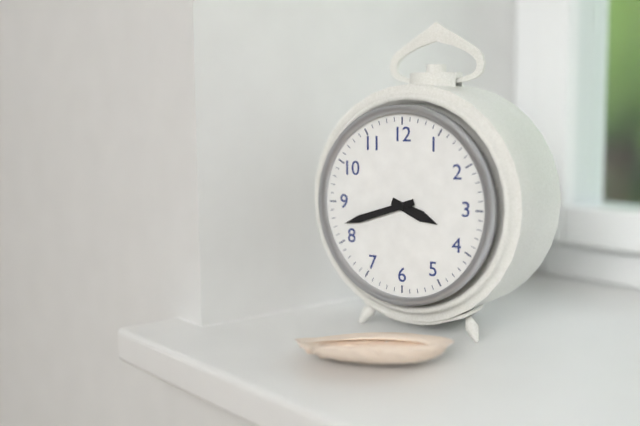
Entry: 3h42
